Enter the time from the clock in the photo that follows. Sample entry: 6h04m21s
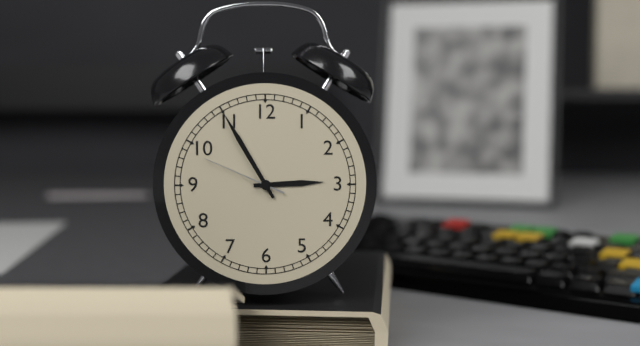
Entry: 2h55m49s
